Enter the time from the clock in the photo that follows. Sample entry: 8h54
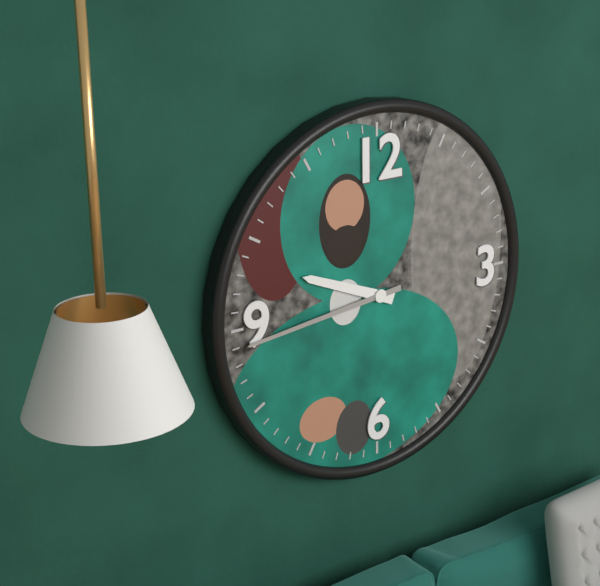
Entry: 9h44
